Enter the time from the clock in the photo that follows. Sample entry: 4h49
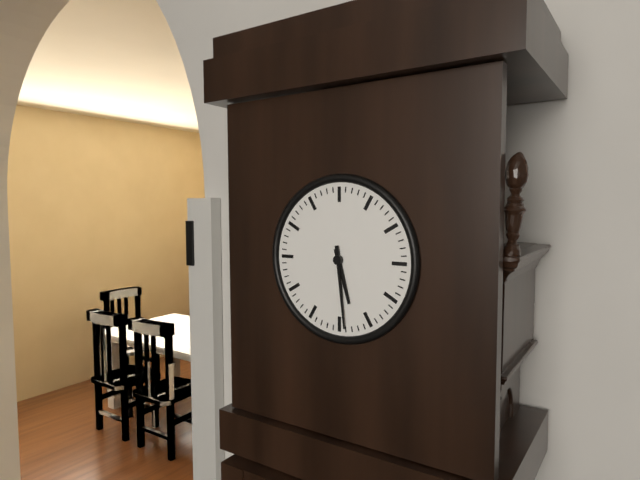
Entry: 5h29
